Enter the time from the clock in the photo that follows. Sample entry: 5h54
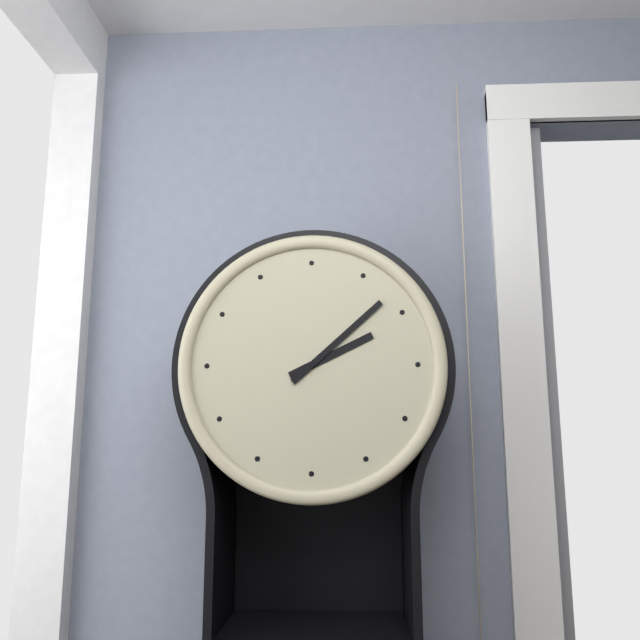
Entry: 2h08
